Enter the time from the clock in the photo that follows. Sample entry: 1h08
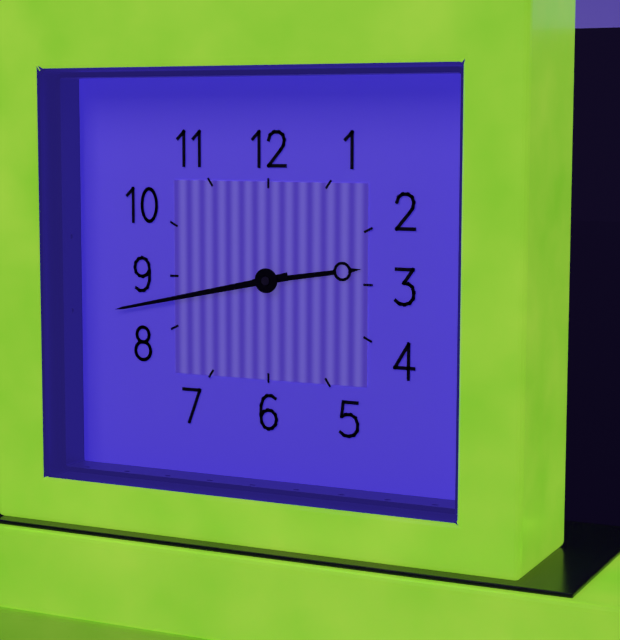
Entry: 2h43
